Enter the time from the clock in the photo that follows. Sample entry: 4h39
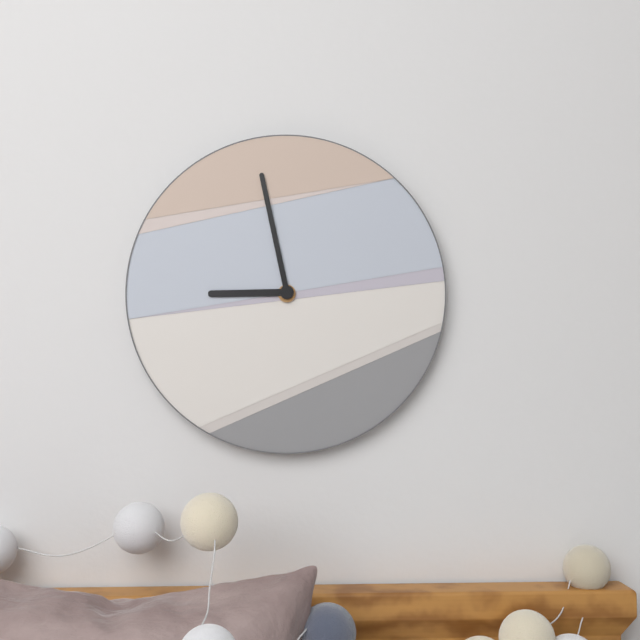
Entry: 8h58
